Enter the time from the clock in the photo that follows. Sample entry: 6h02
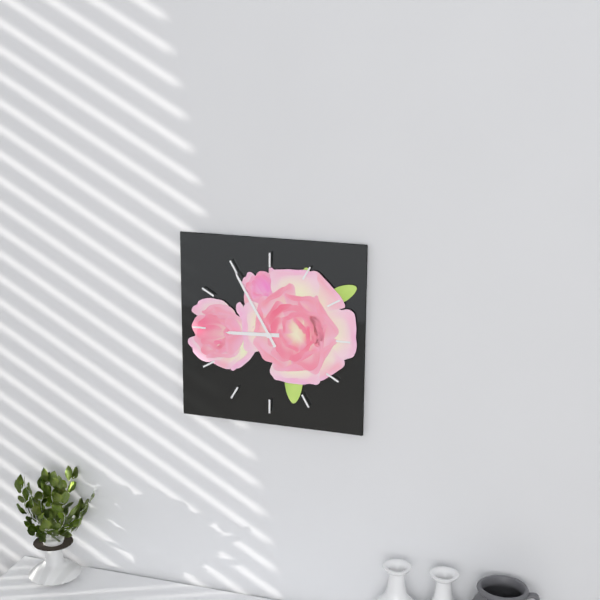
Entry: 8h55
